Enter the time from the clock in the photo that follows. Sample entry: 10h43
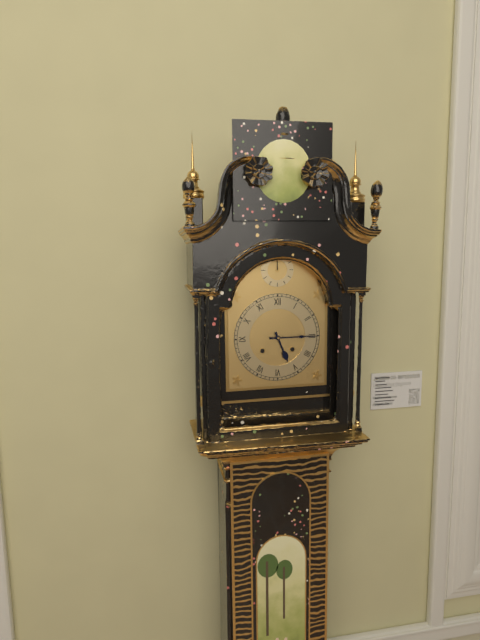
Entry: 5h15
